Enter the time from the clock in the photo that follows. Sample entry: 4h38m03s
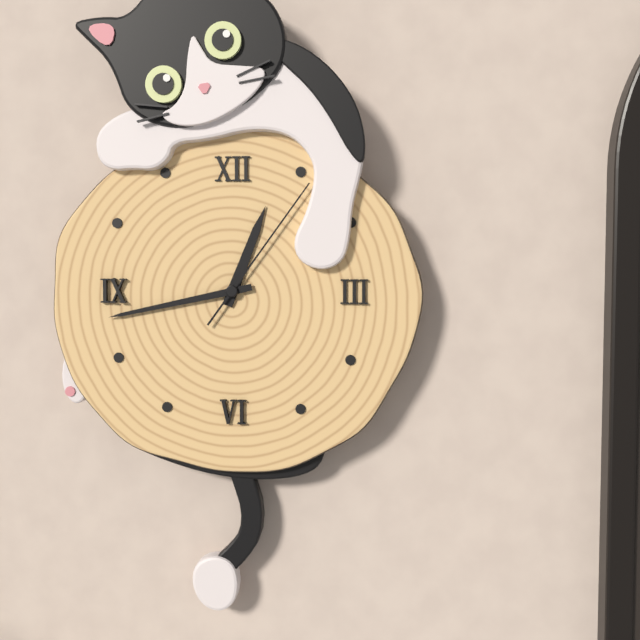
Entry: 12h43m06s
